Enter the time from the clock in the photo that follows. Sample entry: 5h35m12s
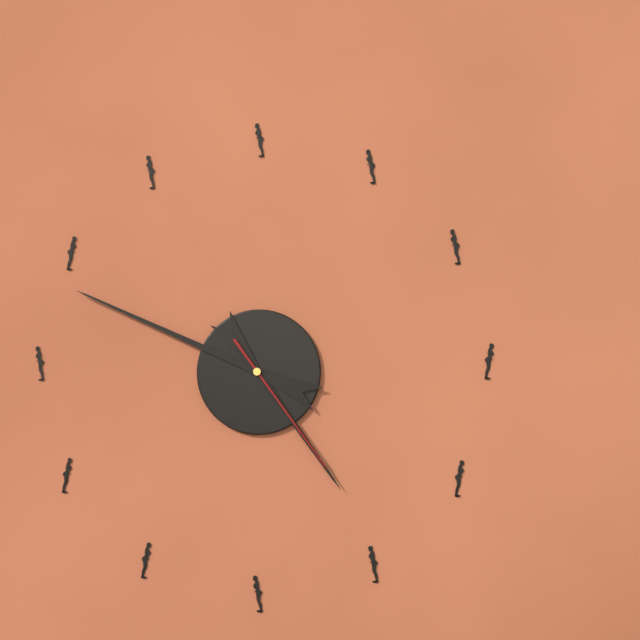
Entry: 4h49m24s
